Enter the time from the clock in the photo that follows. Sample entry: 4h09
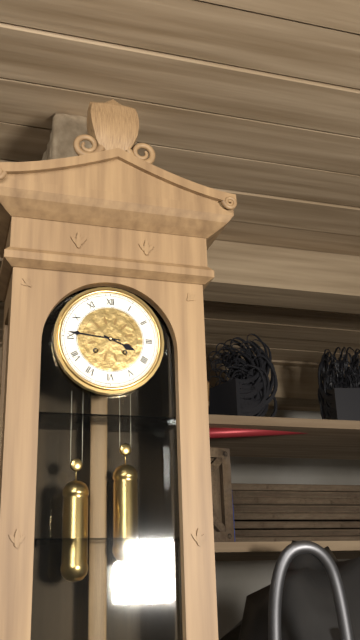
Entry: 3h46
